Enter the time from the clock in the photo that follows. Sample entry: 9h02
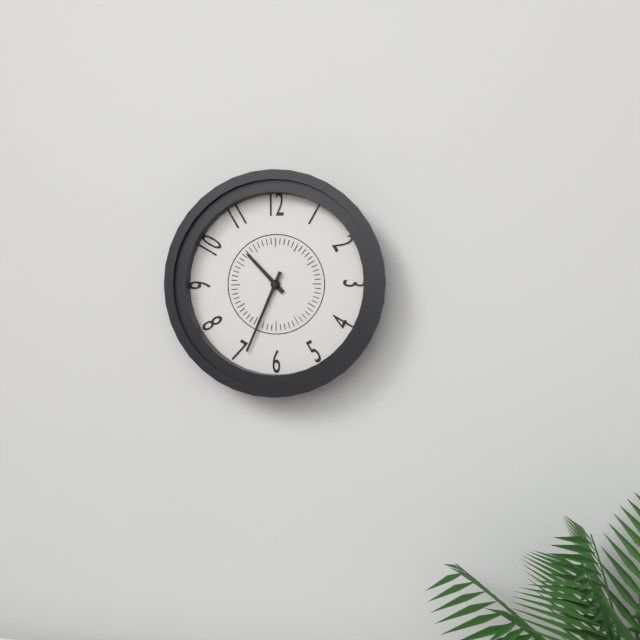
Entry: 10h34
